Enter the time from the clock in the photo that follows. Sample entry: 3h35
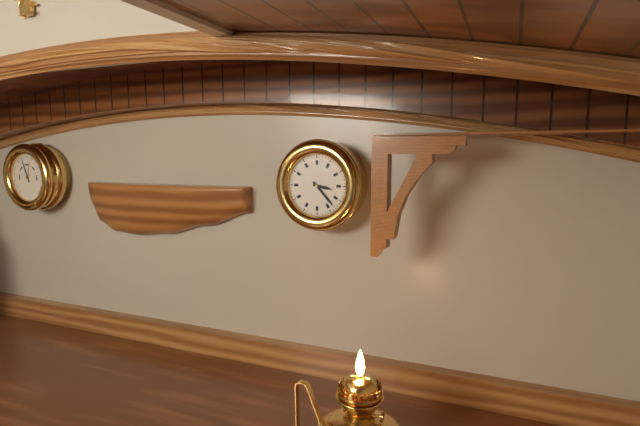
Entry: 3h23
